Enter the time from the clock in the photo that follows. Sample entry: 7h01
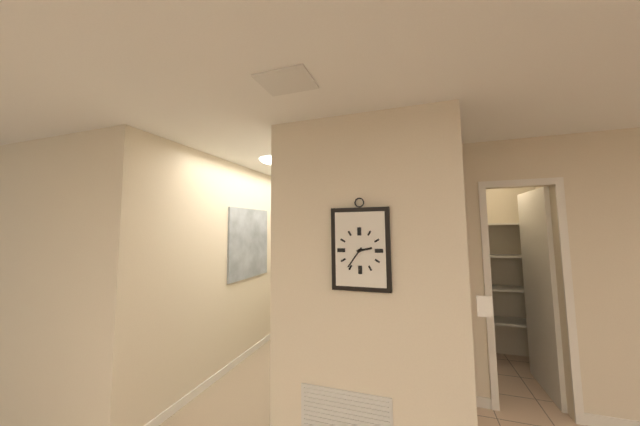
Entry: 2h36
